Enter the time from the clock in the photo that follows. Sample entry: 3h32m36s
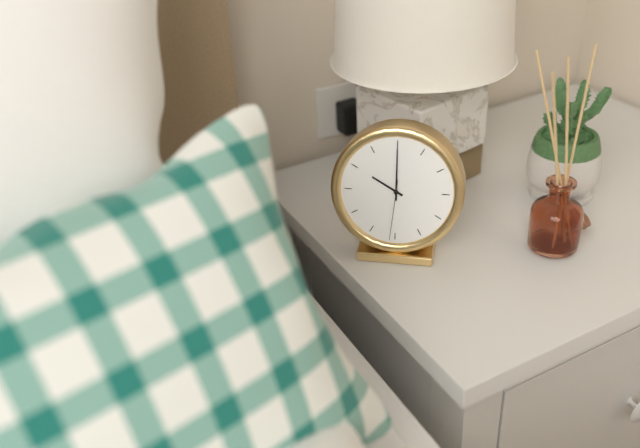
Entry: 10h00m31s
